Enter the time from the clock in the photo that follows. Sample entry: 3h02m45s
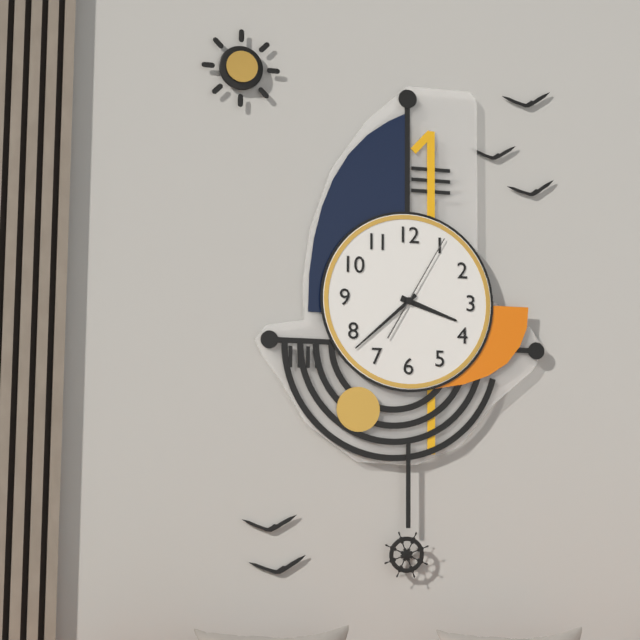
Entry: 3h38m05s
